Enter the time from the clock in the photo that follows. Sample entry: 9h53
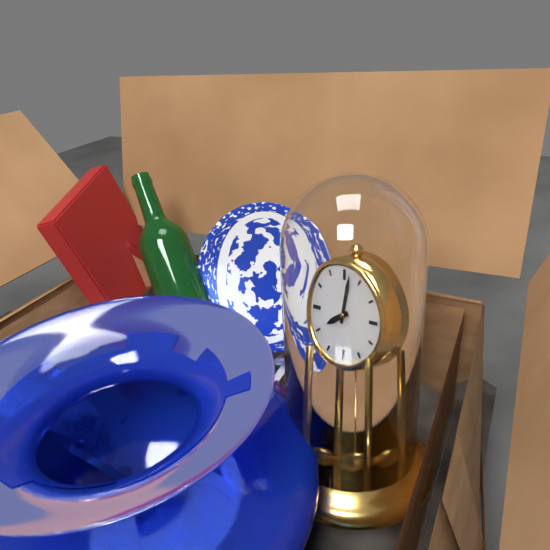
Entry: 8h02
